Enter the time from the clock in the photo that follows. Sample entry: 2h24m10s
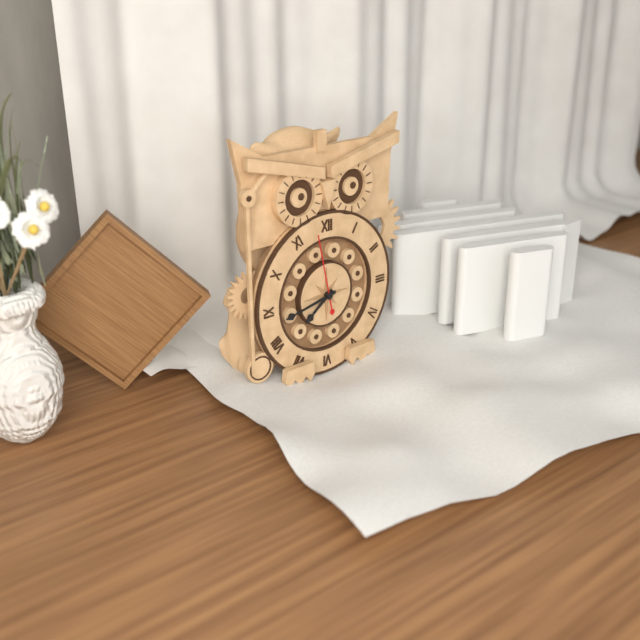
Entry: 7h43m58s
